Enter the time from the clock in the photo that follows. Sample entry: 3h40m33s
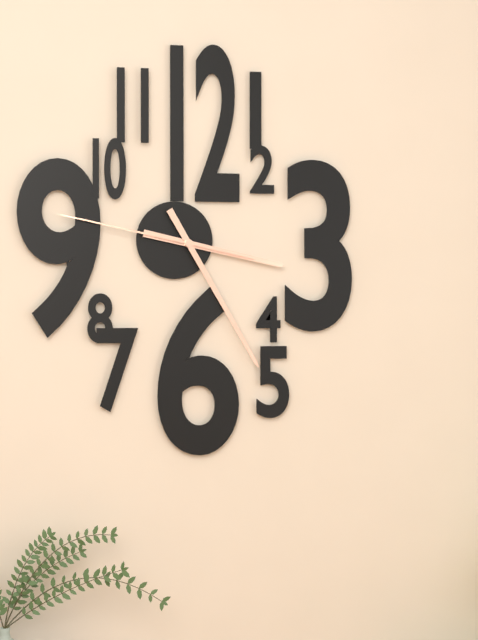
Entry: 3h25m47s
